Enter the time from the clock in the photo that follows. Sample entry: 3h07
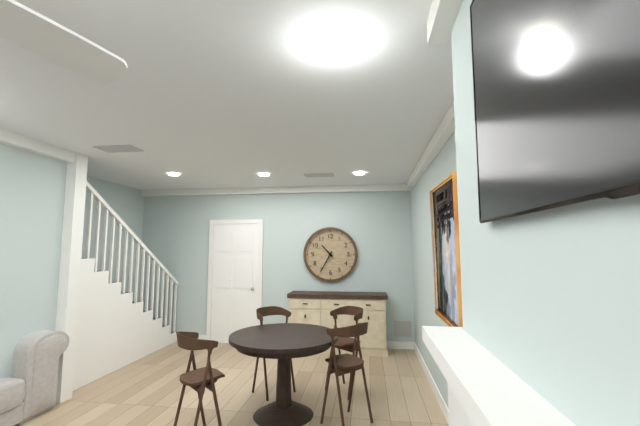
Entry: 10h35
